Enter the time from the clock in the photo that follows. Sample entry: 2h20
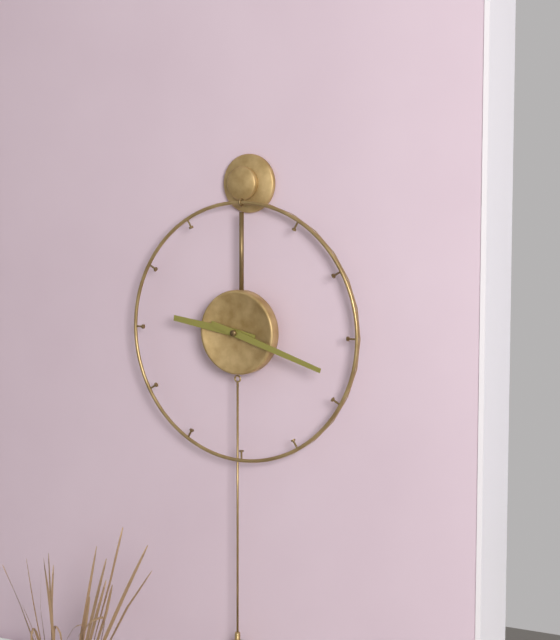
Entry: 9h18
